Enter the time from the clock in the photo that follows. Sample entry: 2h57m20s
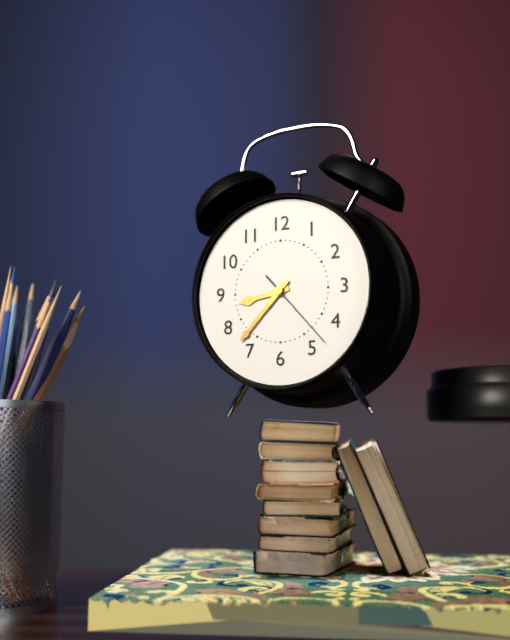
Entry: 8h37m23s
